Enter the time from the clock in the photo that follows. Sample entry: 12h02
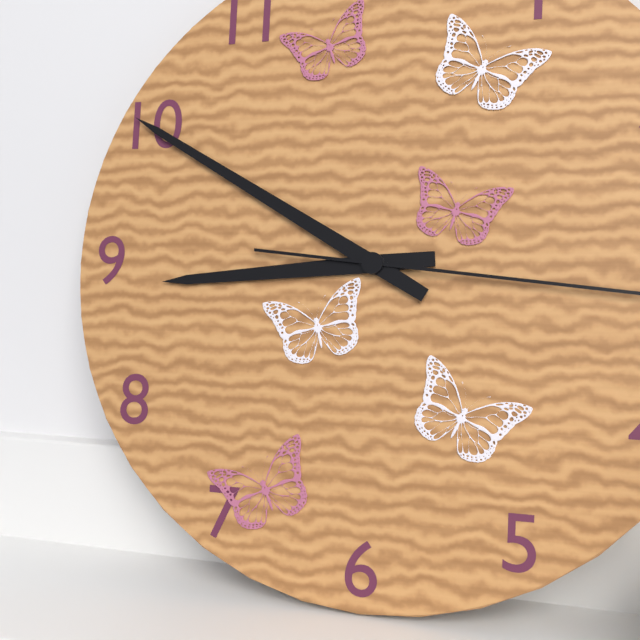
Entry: 8h50
